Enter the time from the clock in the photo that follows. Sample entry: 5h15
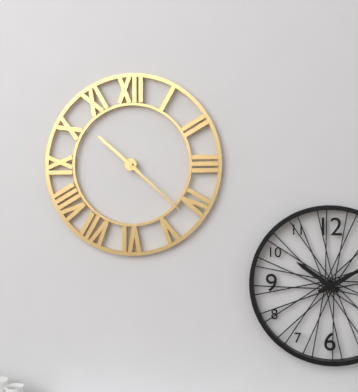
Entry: 10h22
